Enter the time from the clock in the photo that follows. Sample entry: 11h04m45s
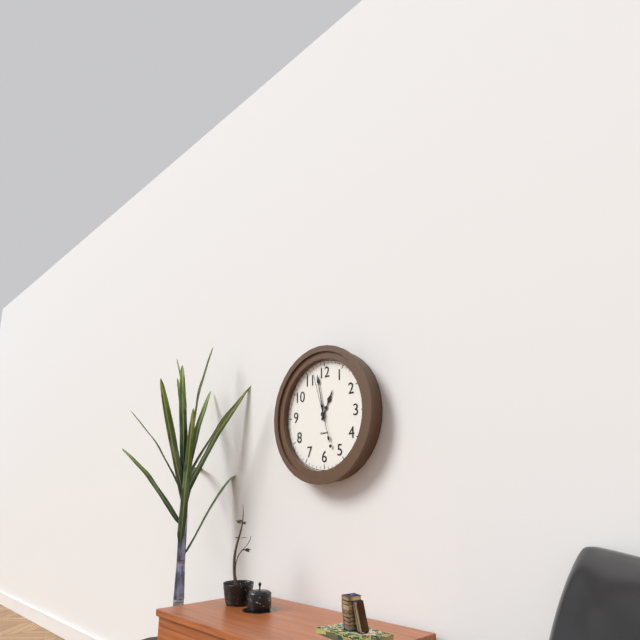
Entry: 12h58m57s
